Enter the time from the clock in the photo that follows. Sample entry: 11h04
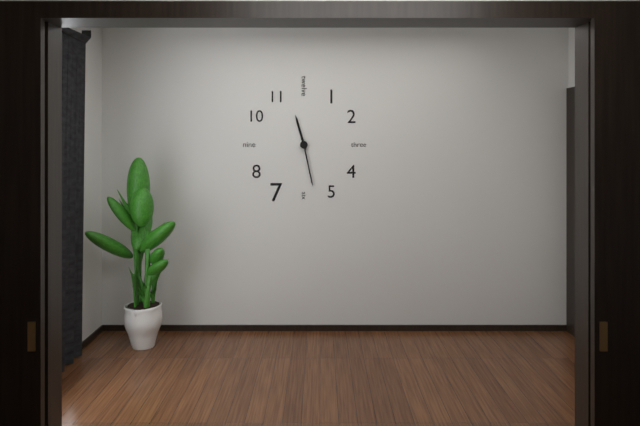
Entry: 11h28
